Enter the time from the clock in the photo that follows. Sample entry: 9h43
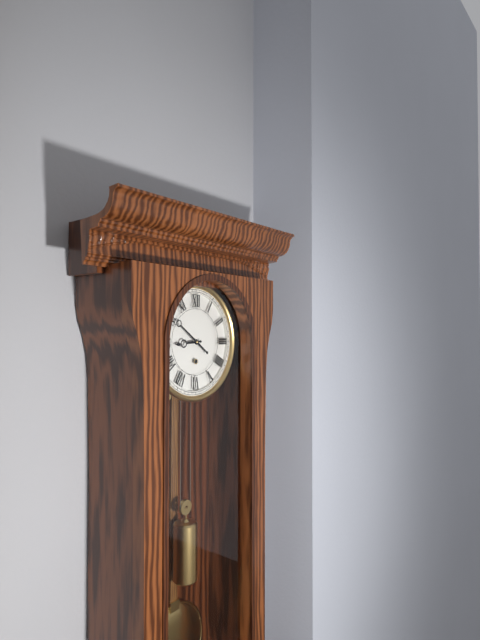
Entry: 8h51
